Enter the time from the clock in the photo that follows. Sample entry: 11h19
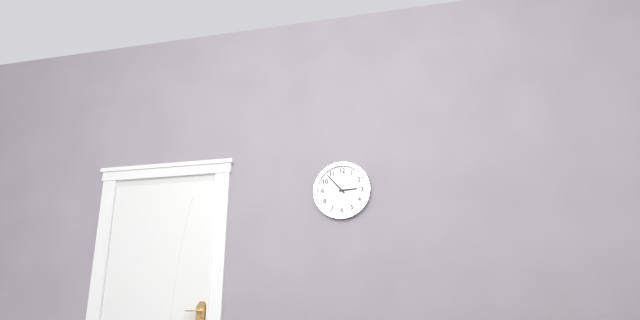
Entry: 2h53
